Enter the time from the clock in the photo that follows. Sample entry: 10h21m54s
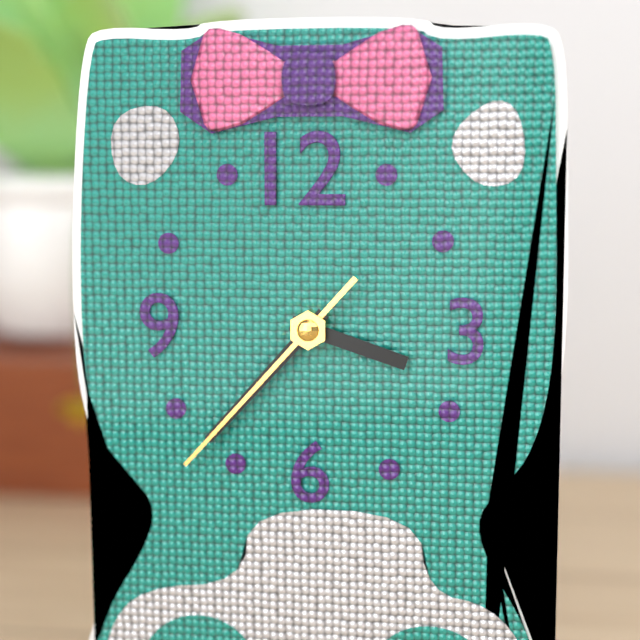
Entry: 3h37m37s
